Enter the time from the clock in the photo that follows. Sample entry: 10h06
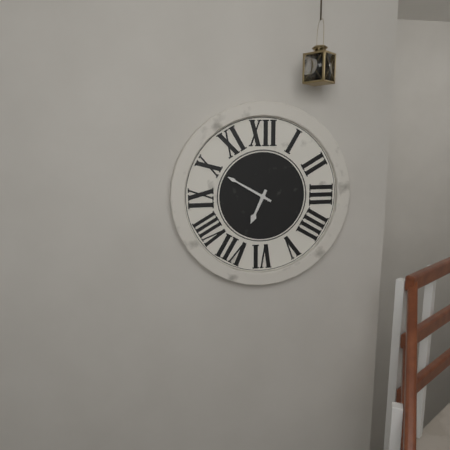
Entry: 6h50
